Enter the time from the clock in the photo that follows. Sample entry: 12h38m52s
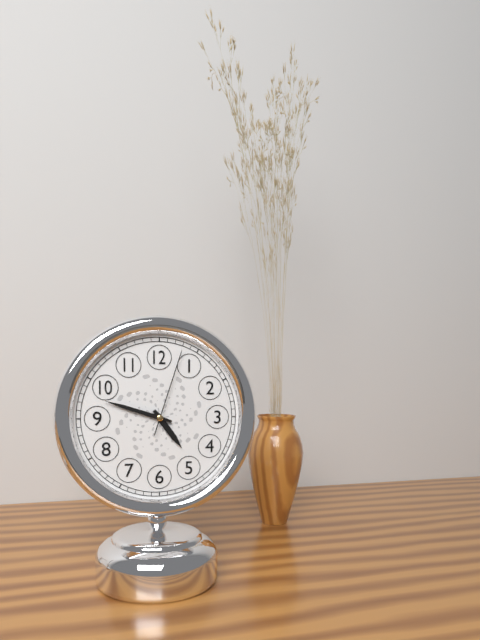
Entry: 4h48m03s
